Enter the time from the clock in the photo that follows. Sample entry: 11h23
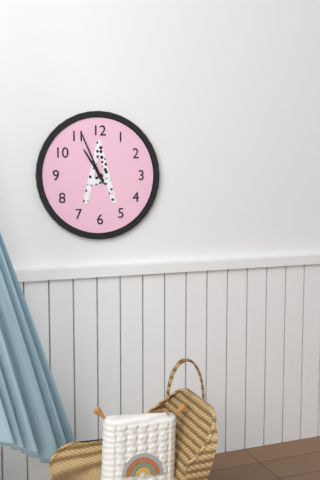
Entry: 10h56
